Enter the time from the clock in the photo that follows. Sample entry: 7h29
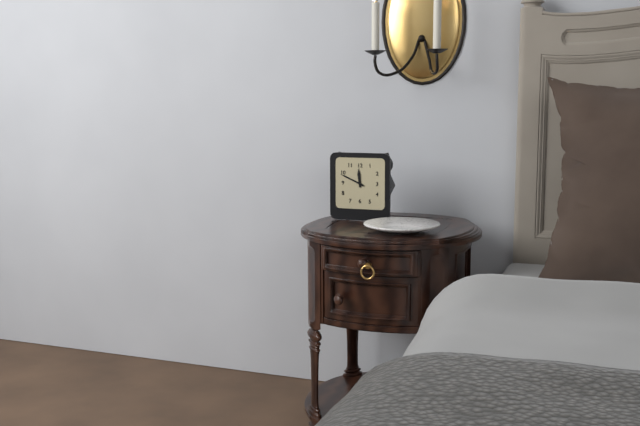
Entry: 11h49
